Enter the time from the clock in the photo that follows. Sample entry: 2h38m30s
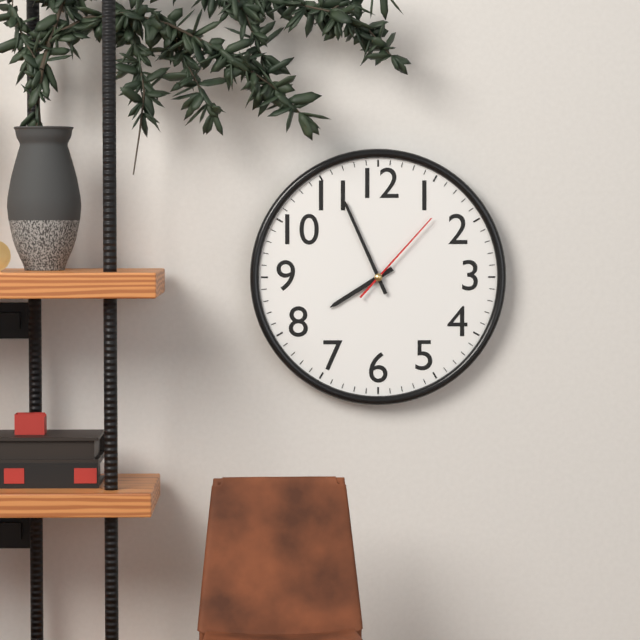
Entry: 7h56m07s
